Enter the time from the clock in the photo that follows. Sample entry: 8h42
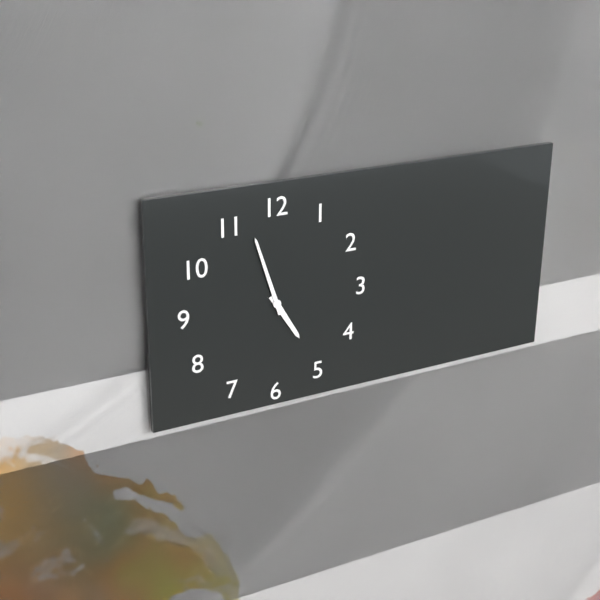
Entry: 4h57
